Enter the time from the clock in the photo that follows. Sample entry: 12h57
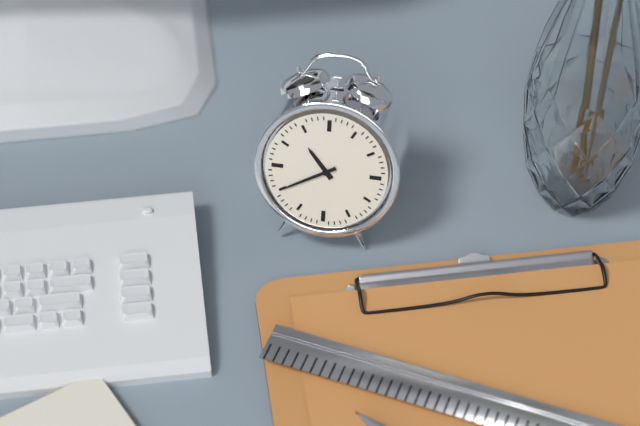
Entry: 10h40
